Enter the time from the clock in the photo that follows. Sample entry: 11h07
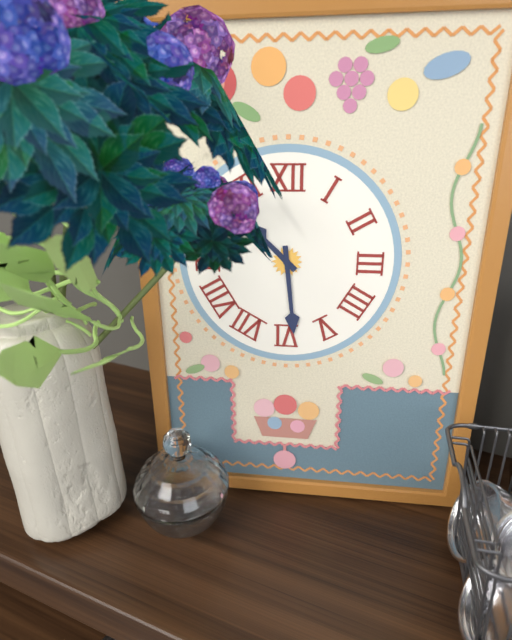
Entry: 10h29
